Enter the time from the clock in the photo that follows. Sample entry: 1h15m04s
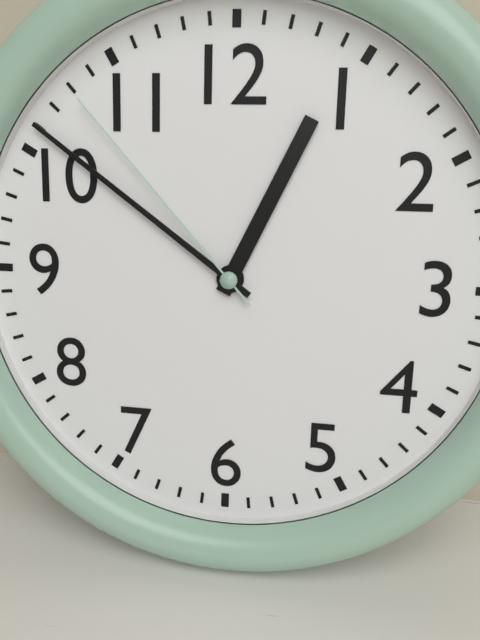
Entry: 12h51m53s
